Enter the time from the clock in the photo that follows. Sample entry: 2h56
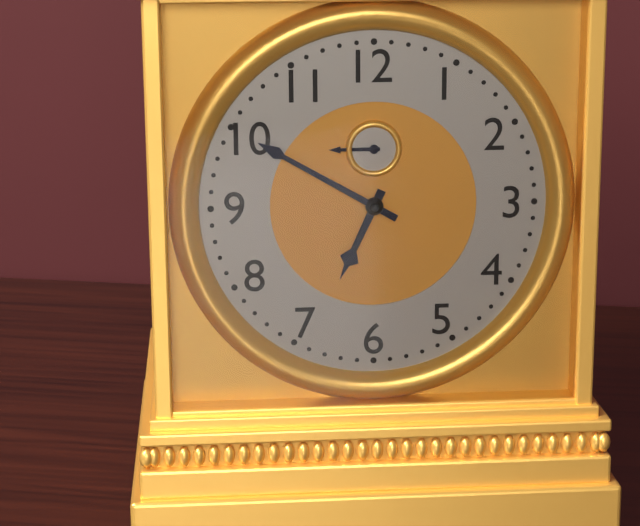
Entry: 6h50
